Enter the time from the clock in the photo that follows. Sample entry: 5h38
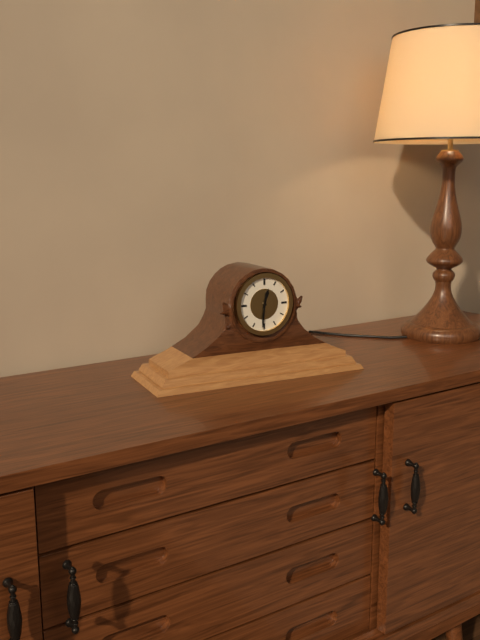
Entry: 12h31
